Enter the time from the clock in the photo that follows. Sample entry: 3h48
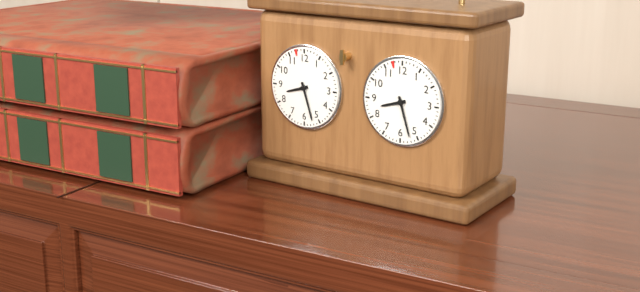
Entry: 8h27
